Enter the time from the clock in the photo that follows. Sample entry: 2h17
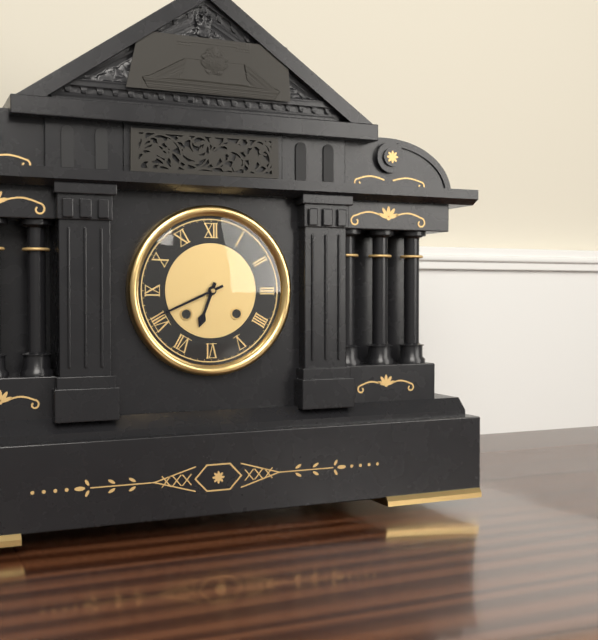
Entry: 6h41
